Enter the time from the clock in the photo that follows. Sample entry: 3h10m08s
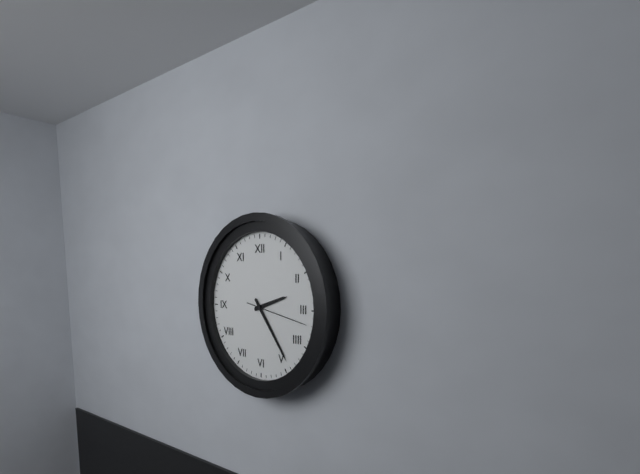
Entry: 2h24m17s
